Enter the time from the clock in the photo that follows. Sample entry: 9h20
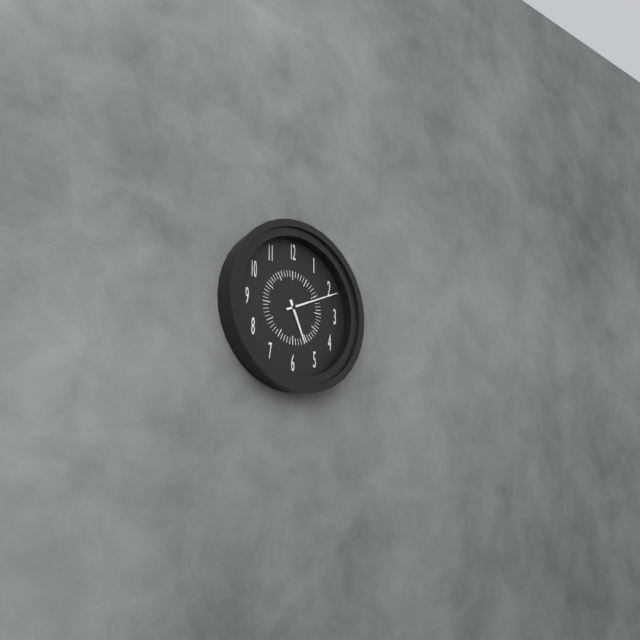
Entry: 5h11
